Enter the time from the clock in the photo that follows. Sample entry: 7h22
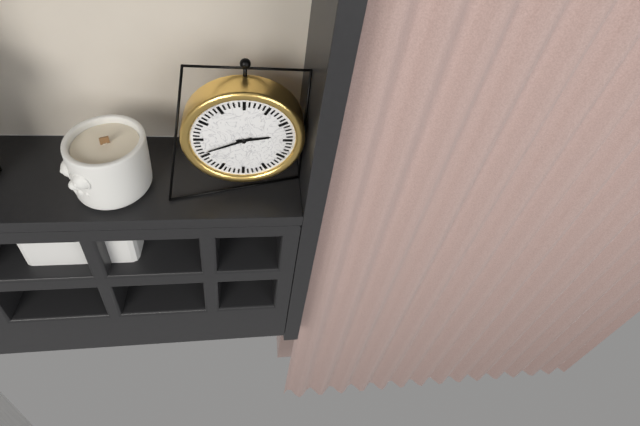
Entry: 2h41
